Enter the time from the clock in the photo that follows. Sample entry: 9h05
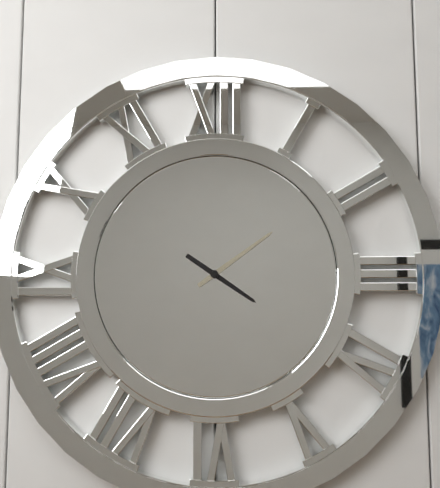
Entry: 4h09
